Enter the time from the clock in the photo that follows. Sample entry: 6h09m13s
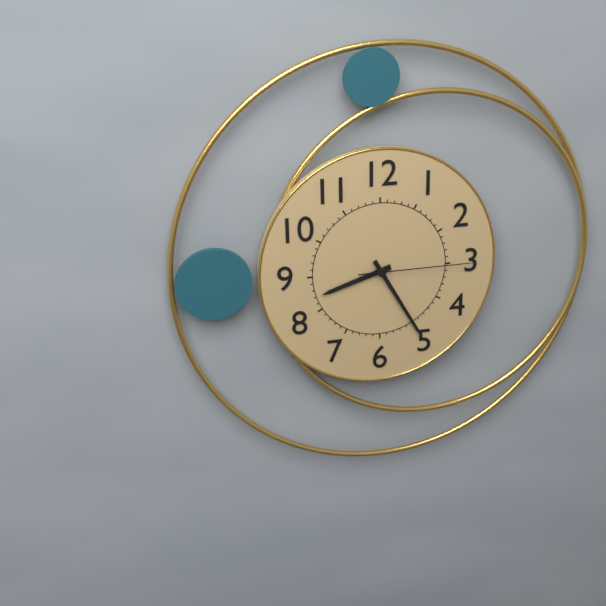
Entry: 8h25m15s
